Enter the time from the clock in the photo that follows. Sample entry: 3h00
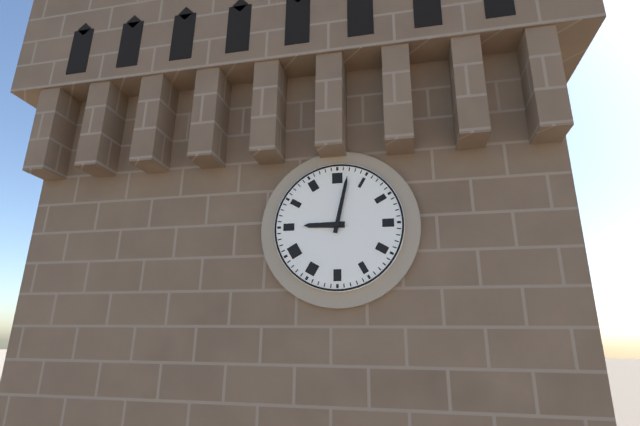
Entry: 9h02
